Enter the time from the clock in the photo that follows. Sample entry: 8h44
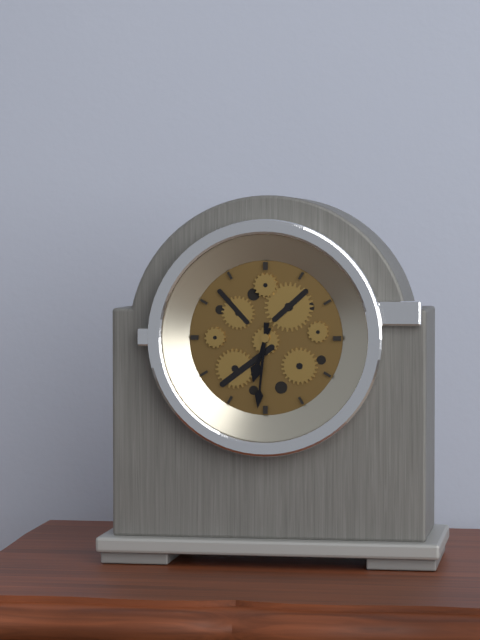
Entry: 6h31
